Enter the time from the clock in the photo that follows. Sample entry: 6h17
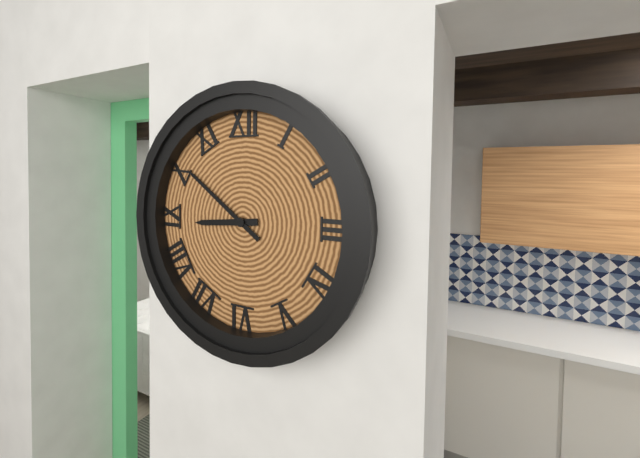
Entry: 8h51
